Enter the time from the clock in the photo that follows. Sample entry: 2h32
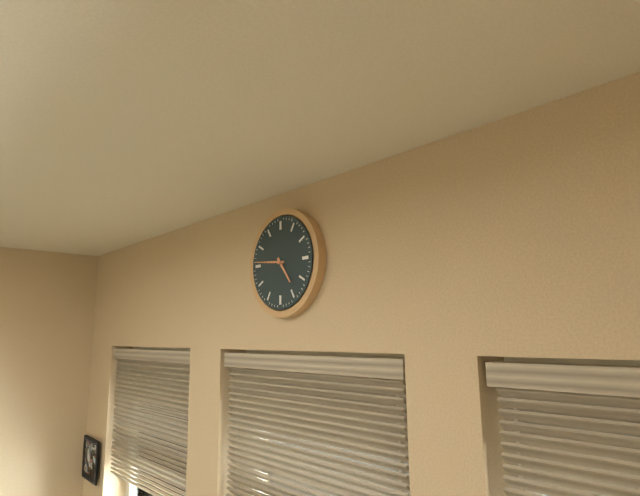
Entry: 4h46
